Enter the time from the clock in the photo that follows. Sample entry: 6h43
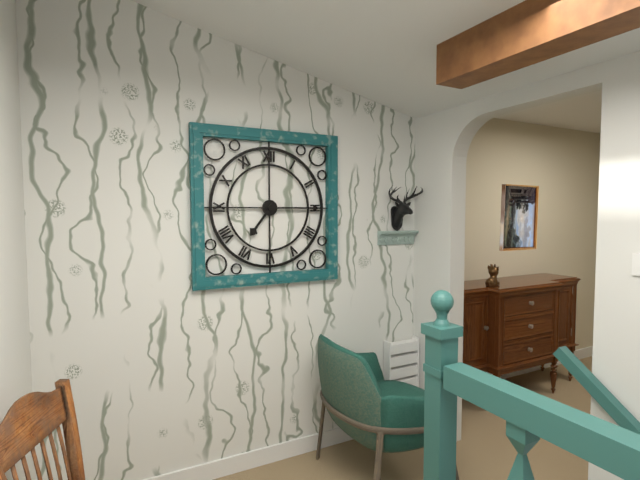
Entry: 7h15
